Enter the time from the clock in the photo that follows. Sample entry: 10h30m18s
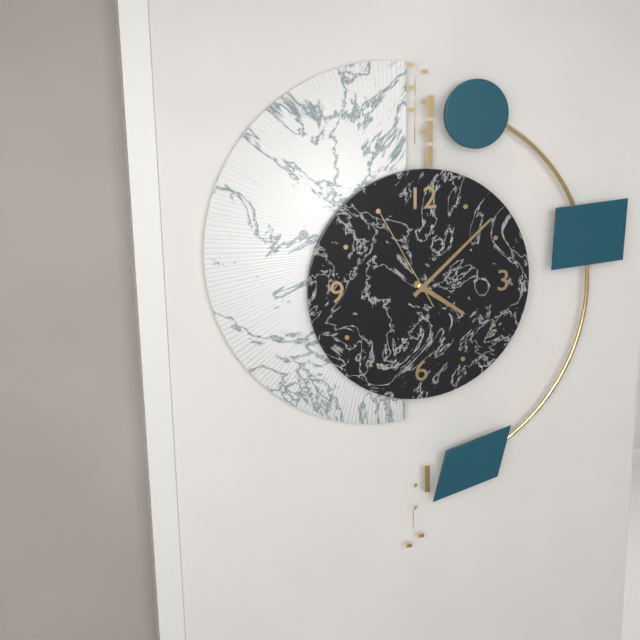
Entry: 4h08m55s
